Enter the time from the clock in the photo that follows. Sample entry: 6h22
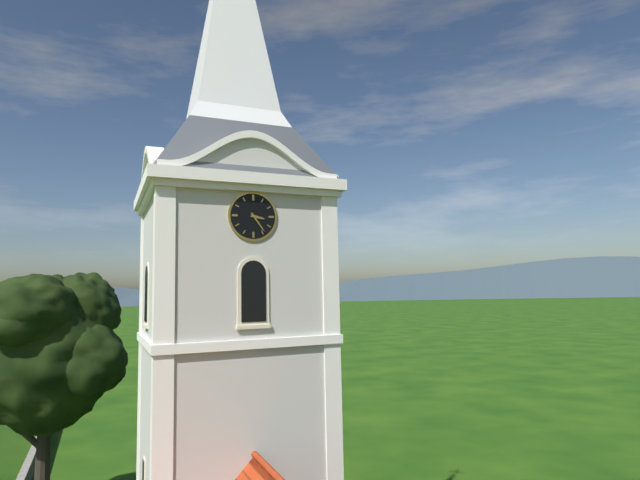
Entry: 3h24
